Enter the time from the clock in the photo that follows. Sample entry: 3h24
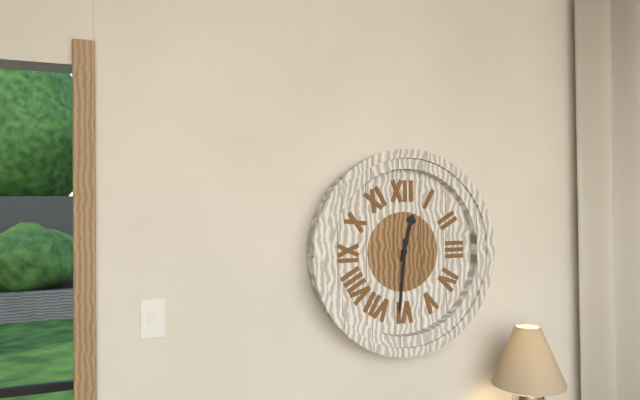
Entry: 12h31
